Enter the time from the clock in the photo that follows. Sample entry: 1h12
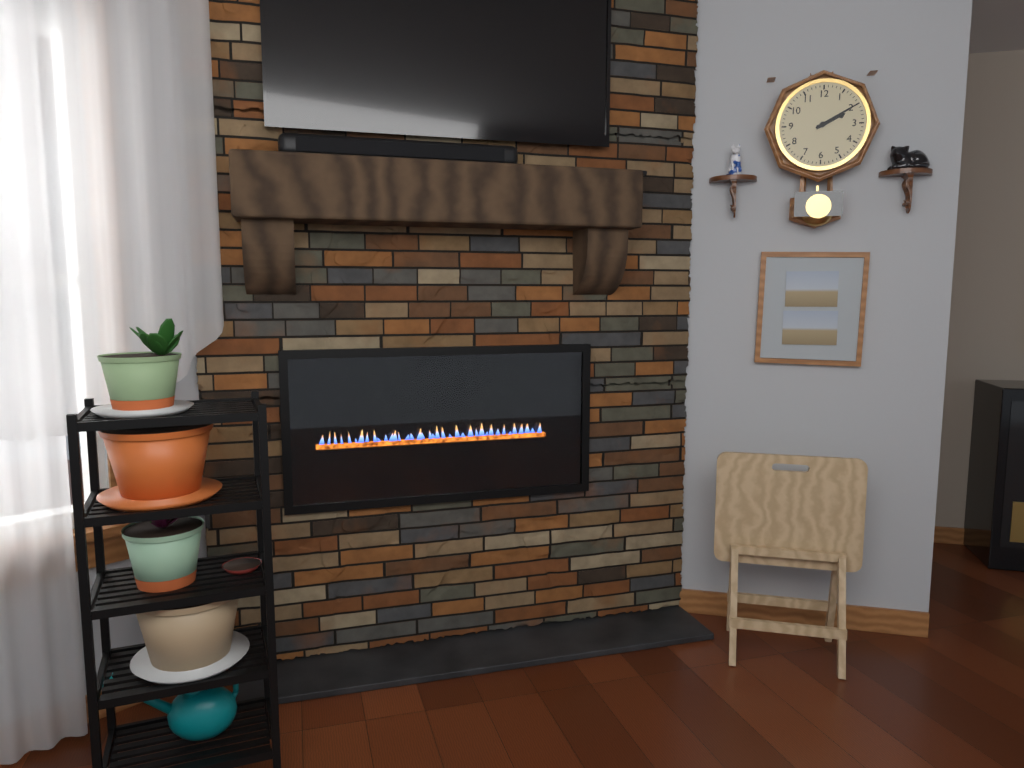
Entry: 2h10
